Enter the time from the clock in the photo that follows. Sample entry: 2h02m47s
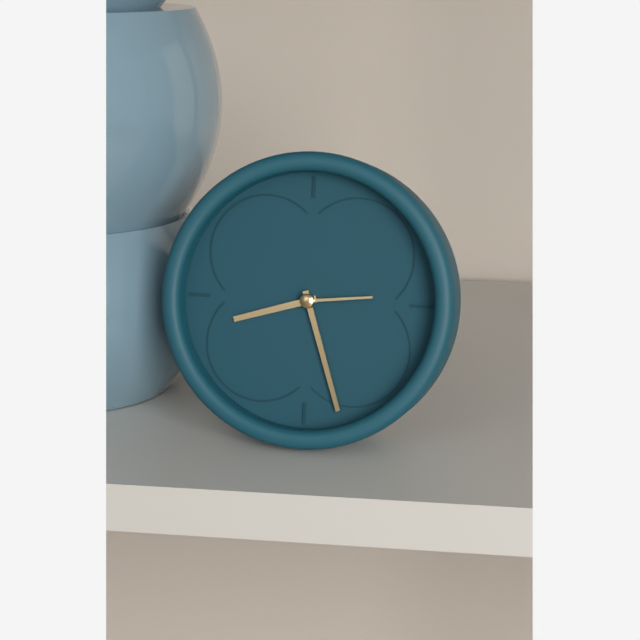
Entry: 8h27m14s
